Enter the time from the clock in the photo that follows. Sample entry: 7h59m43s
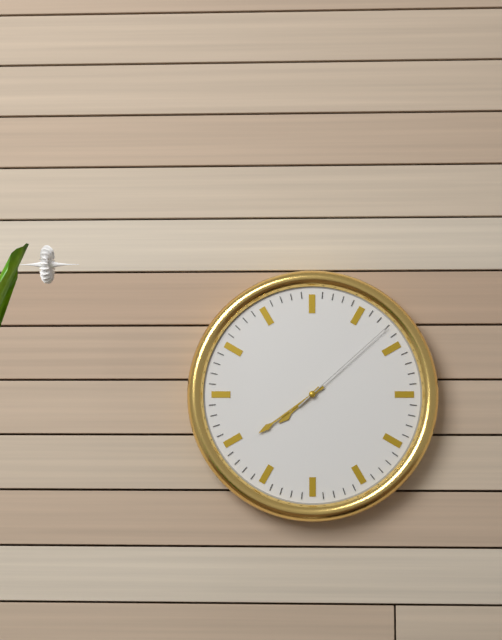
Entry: 7h39m08s
